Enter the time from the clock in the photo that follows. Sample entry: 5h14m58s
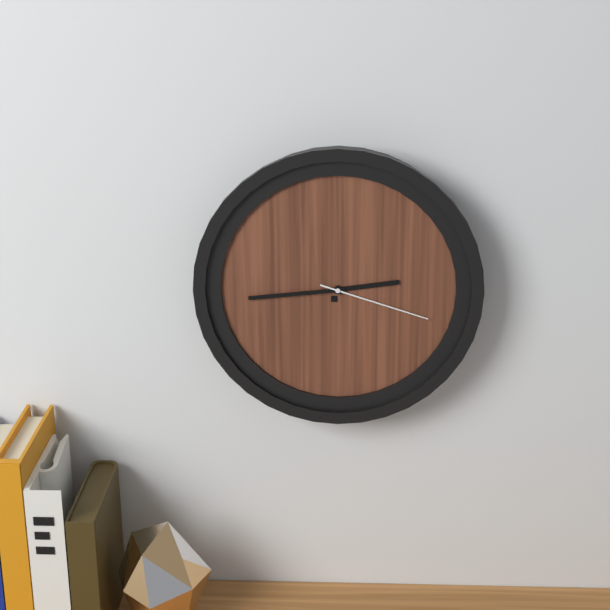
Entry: 2h44m18s
